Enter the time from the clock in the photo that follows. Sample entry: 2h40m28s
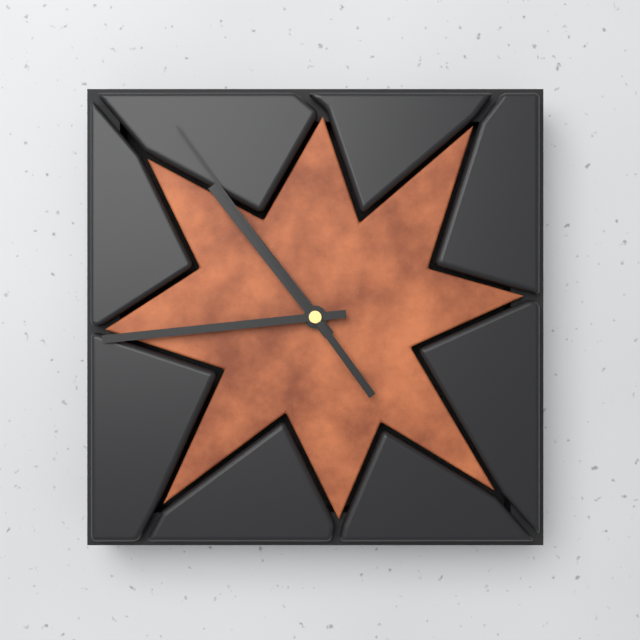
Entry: 10h44m54s
